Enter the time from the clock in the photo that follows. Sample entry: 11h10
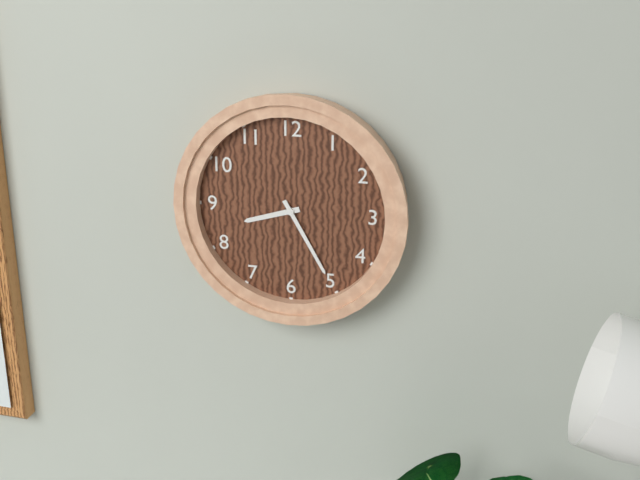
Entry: 8h25
